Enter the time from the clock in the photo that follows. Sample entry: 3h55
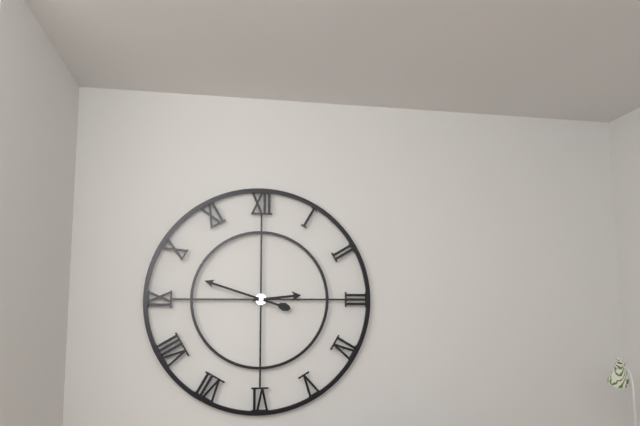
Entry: 2h48
